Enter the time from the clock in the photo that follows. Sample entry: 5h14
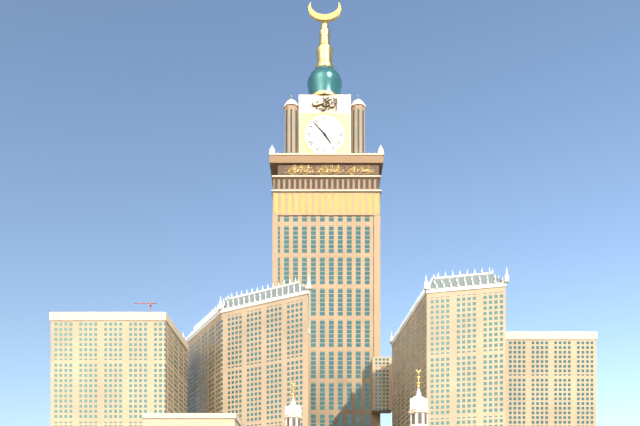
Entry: 4h53
